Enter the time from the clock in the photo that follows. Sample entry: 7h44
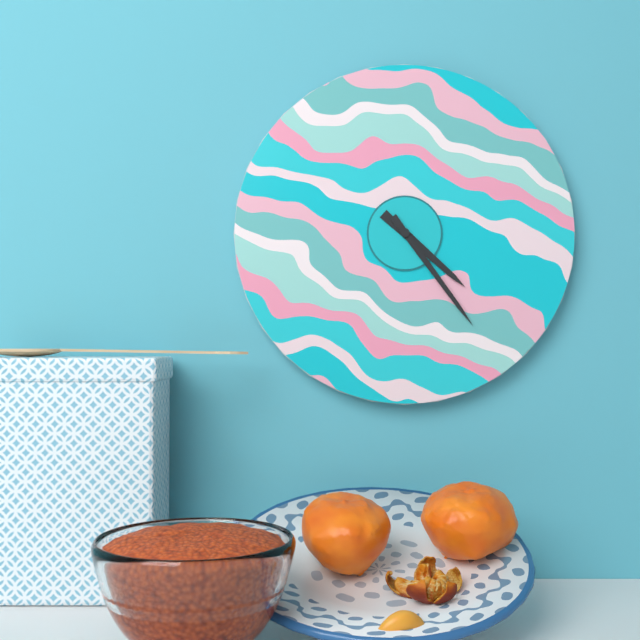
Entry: 4h24
